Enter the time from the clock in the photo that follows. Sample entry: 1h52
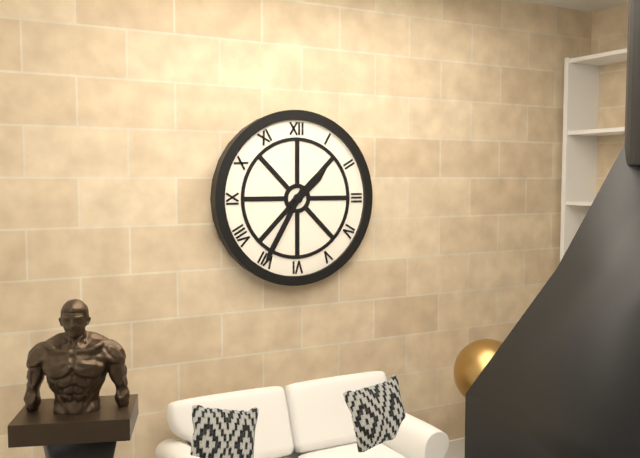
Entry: 1h35
